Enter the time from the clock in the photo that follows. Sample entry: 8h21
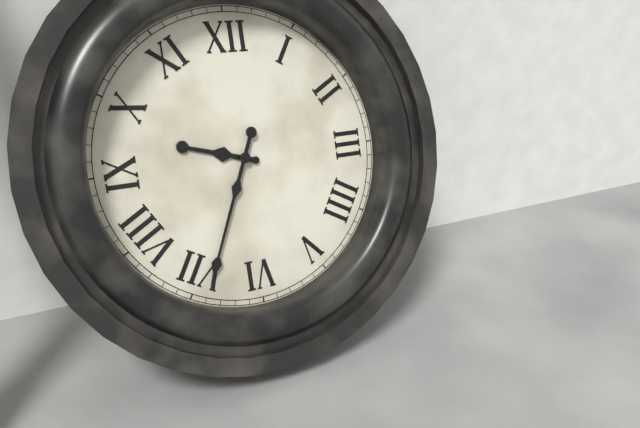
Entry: 9h34
